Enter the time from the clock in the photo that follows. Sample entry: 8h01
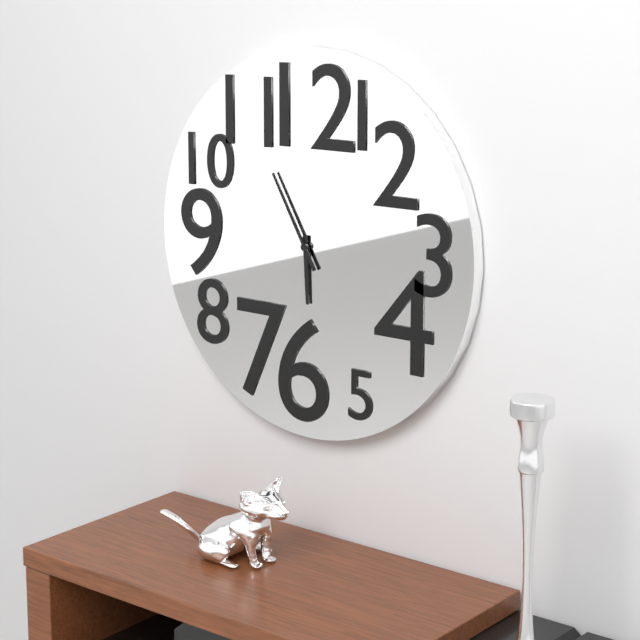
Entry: 5h55
